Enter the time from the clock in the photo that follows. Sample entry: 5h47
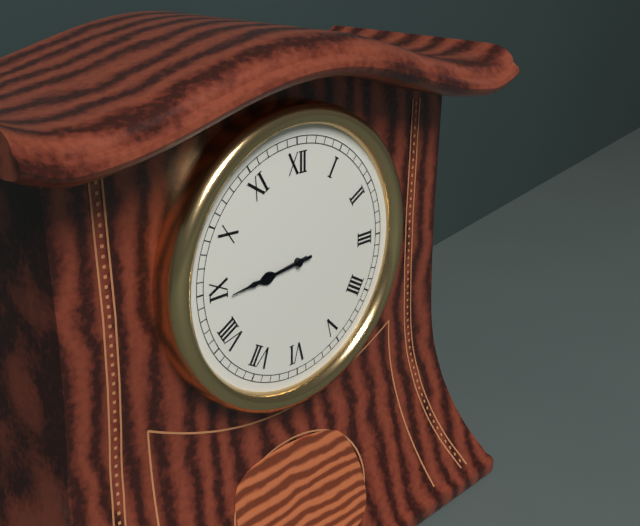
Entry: 8h44
